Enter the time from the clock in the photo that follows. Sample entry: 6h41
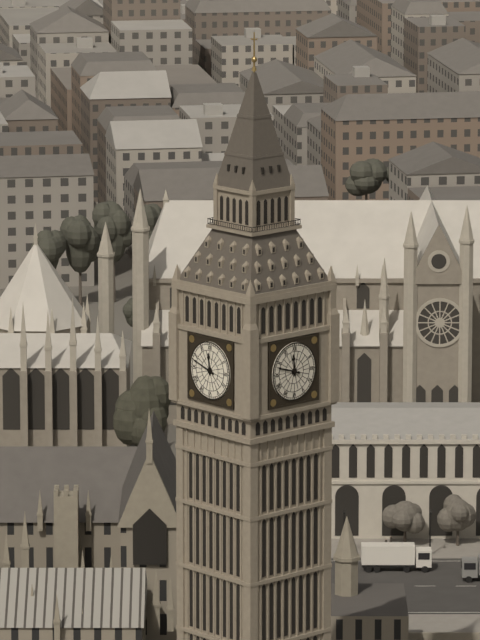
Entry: 11h48
